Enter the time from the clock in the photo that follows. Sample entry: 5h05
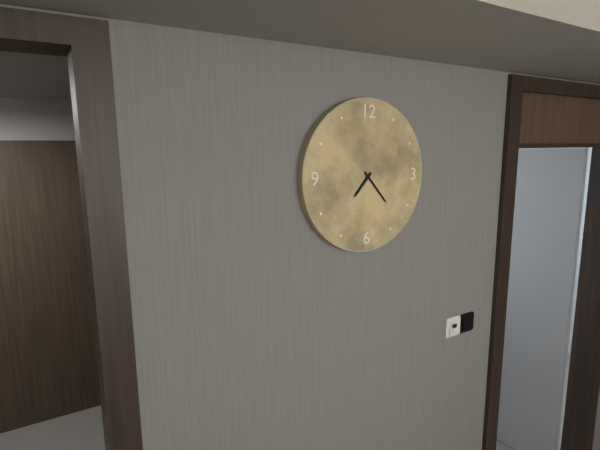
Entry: 7h23
